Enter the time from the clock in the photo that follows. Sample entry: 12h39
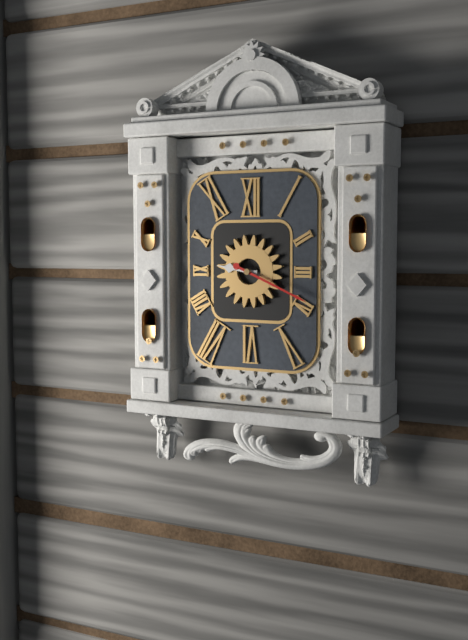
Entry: 9h19
